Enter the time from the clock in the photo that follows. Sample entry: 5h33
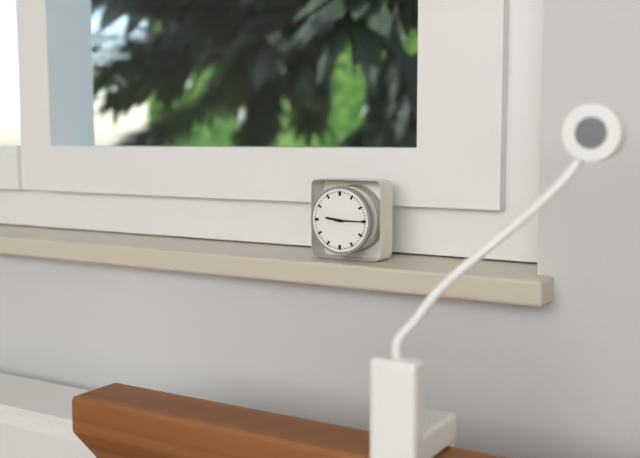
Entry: 9h15
